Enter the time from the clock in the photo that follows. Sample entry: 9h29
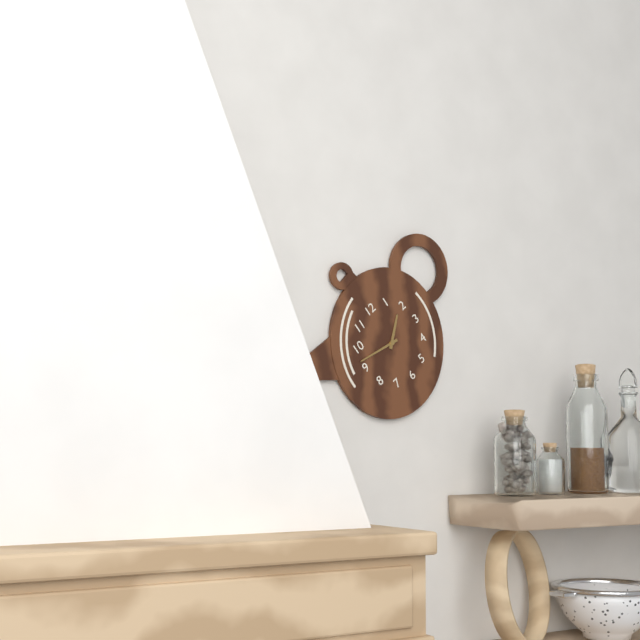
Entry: 1h47
